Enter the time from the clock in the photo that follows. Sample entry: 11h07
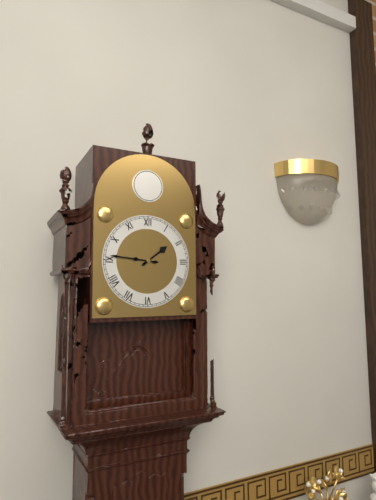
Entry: 1h46
